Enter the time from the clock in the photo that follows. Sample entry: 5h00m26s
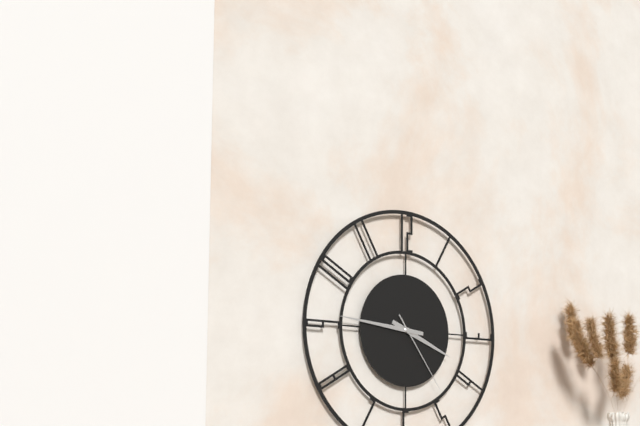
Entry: 3h46m24s
